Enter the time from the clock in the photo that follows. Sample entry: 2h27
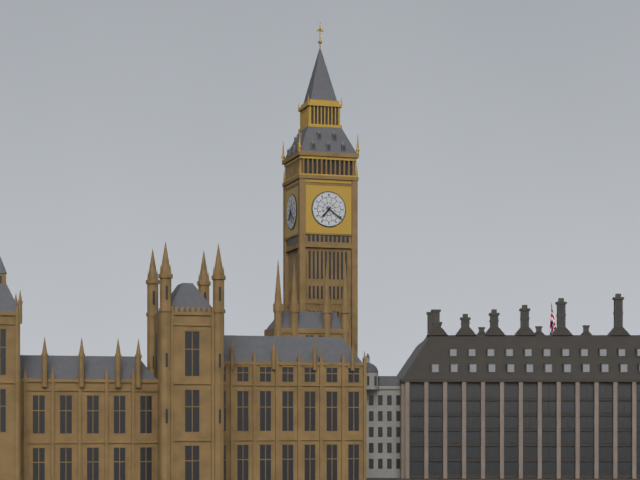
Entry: 7h21
